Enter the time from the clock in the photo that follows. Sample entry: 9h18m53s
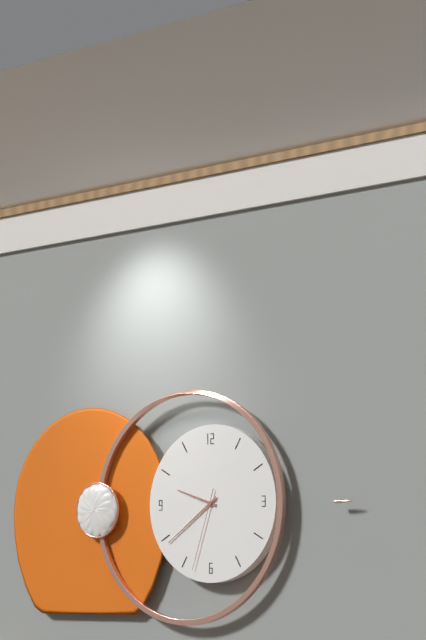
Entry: 9h39m33s
